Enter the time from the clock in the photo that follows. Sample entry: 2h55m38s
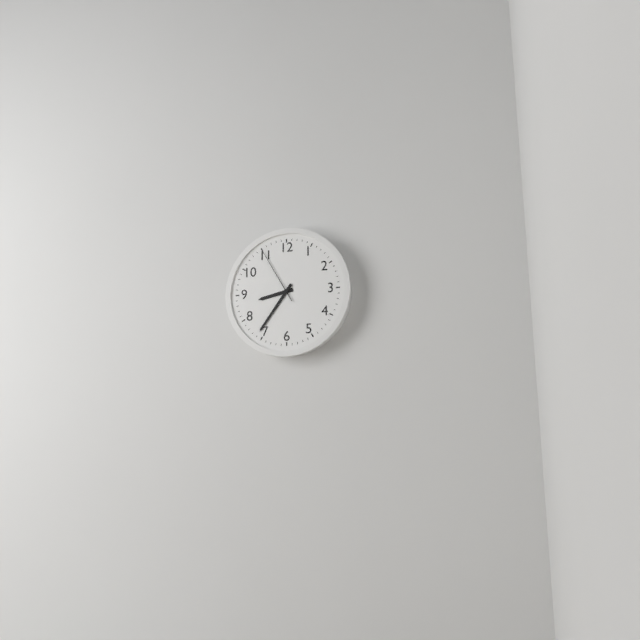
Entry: 8h36m55s
